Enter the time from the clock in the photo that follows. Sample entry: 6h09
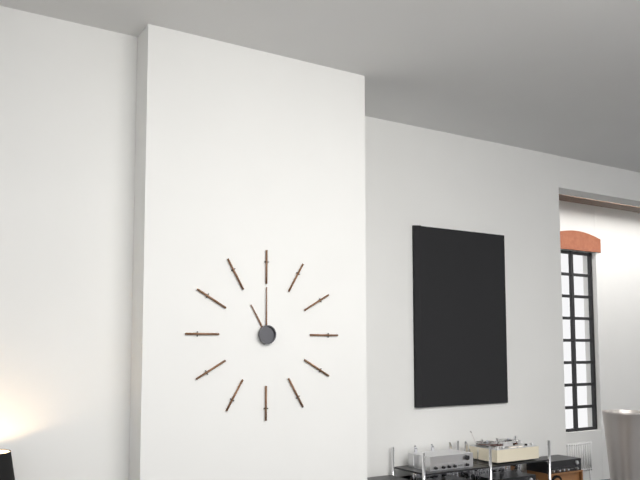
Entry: 11h00
